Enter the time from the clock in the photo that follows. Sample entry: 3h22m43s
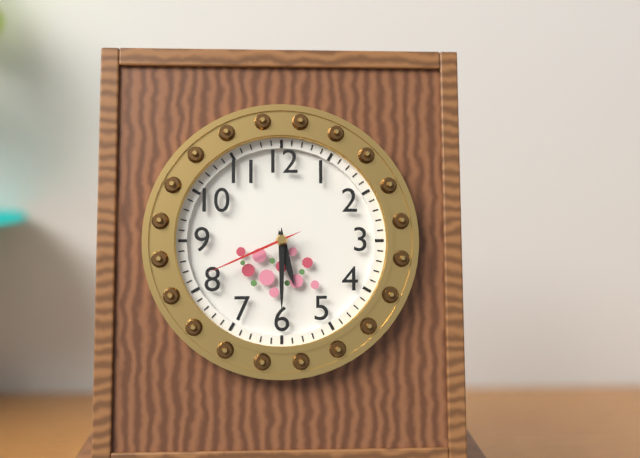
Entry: 5h30m41s
